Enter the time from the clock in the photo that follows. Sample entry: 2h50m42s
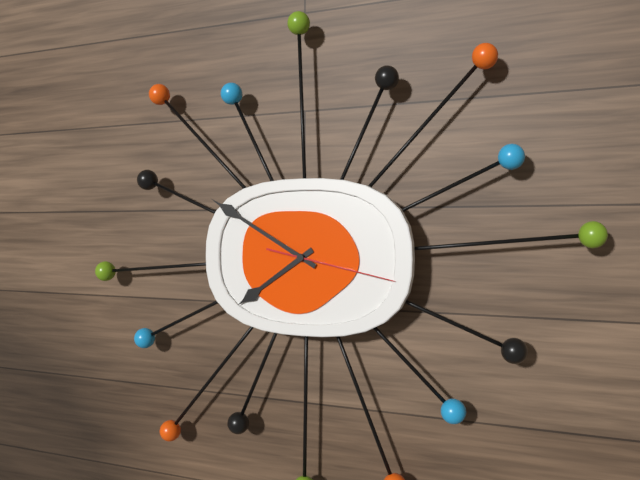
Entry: 7h50m17s
